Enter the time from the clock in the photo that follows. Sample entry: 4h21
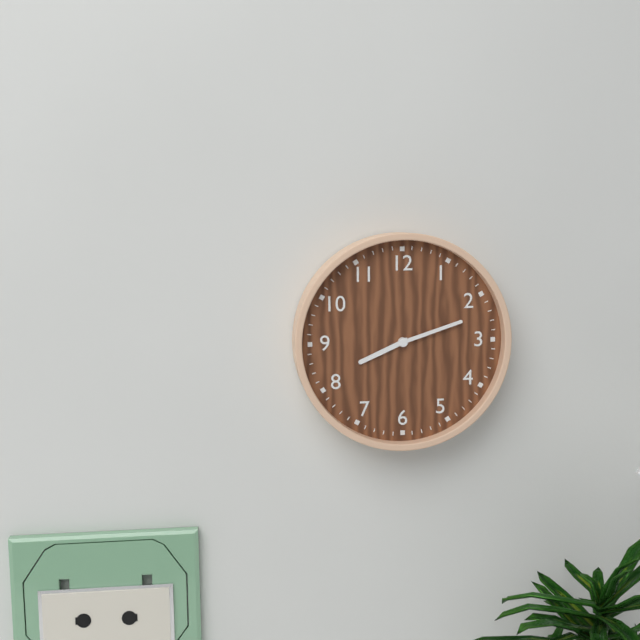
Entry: 8h12
